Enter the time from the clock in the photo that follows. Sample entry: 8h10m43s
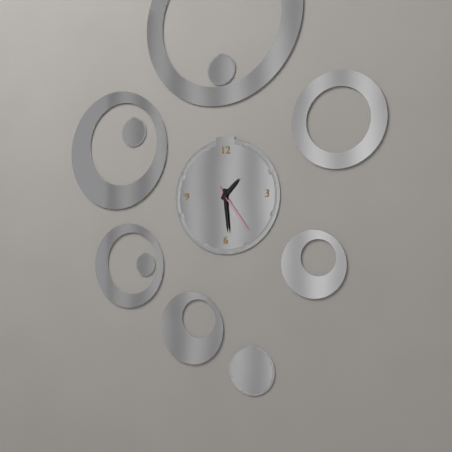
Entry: 1h29m24s
